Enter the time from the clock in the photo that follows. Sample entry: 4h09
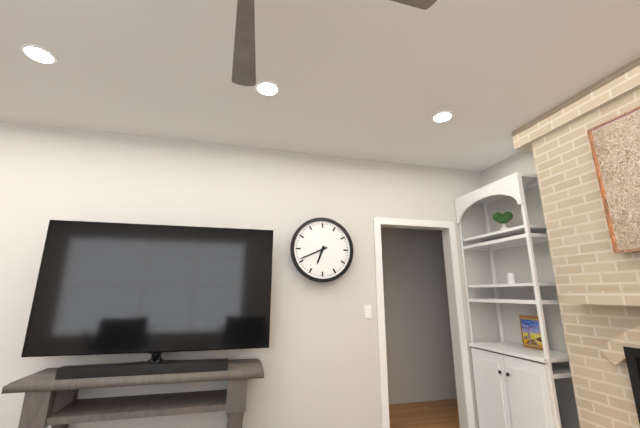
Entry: 6h41
